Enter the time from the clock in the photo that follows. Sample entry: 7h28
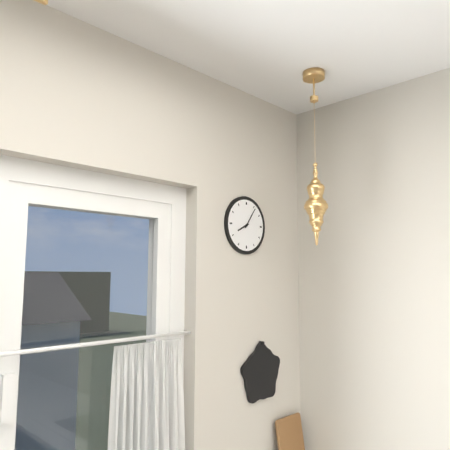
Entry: 8h06
